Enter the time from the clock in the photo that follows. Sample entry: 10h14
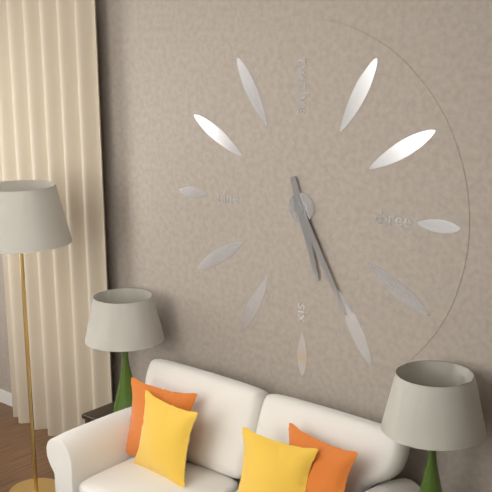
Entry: 5h25
